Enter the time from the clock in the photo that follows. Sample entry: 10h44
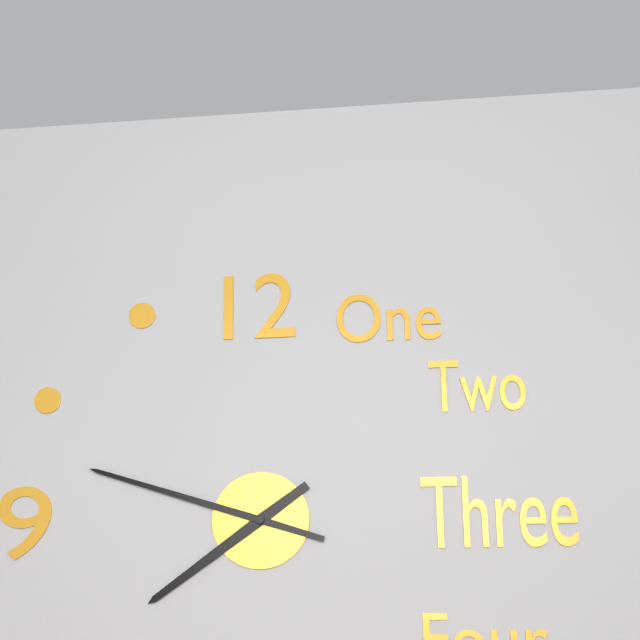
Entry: 7h48
